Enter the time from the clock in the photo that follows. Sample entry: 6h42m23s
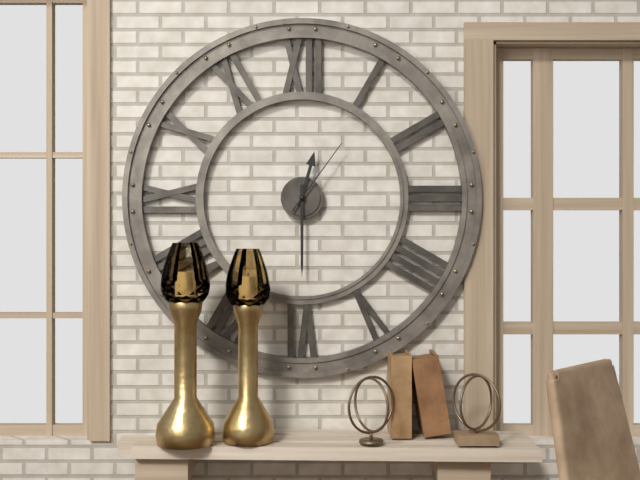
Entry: 12h30m06s
